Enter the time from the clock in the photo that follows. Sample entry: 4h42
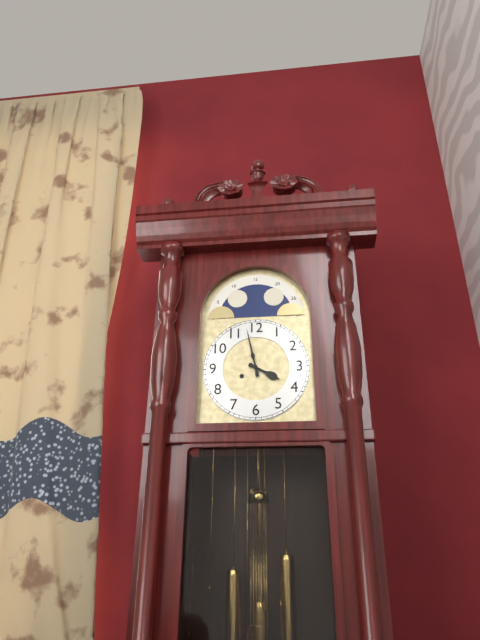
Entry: 3h58
